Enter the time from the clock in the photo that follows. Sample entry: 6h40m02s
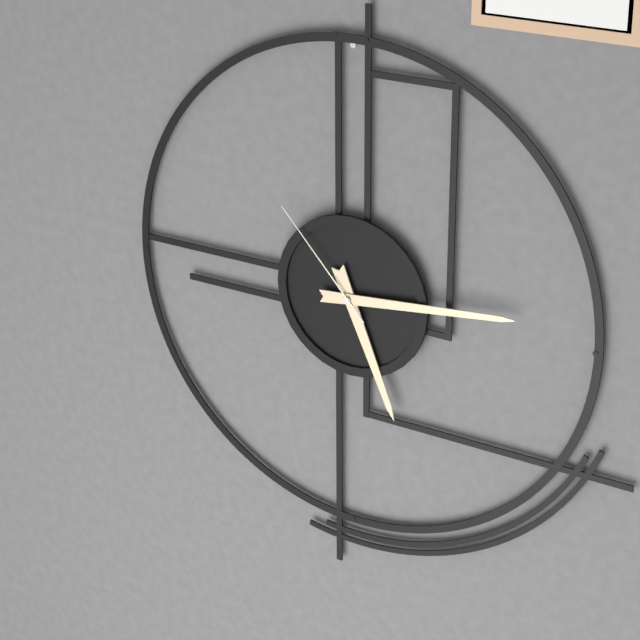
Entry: 5h14m53s
